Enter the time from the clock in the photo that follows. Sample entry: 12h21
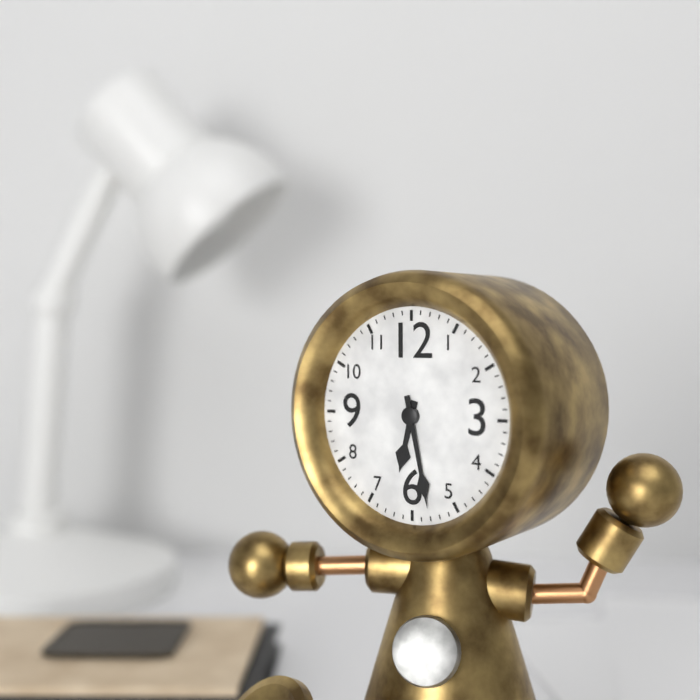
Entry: 6h28
